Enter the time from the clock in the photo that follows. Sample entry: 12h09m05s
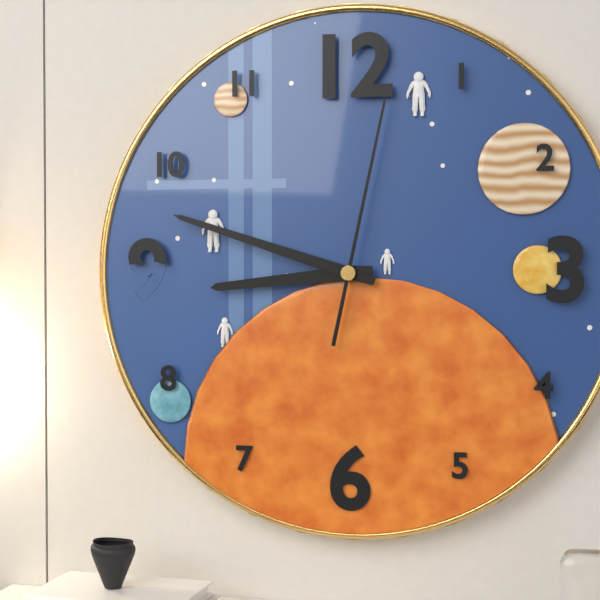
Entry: 8h48m02s
